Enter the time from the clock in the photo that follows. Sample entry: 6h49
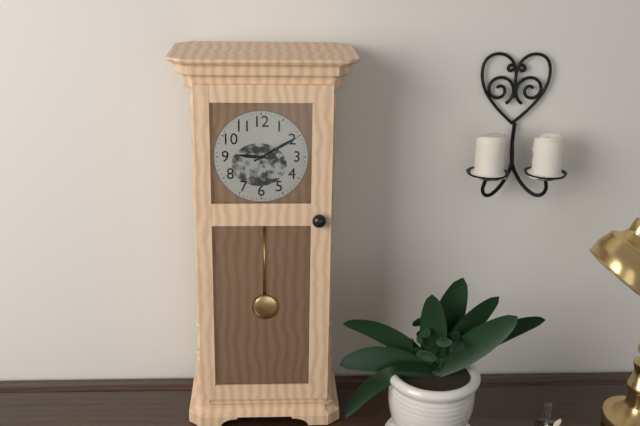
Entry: 9h10
